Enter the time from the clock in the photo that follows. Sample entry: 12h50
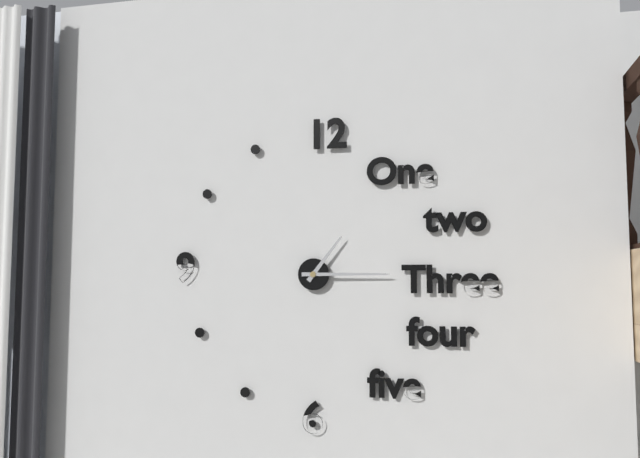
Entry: 1h15
